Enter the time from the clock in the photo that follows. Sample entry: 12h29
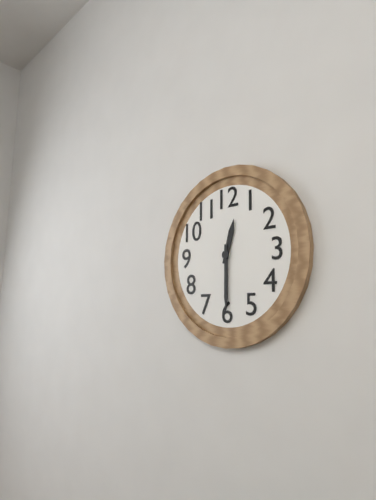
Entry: 12h30
